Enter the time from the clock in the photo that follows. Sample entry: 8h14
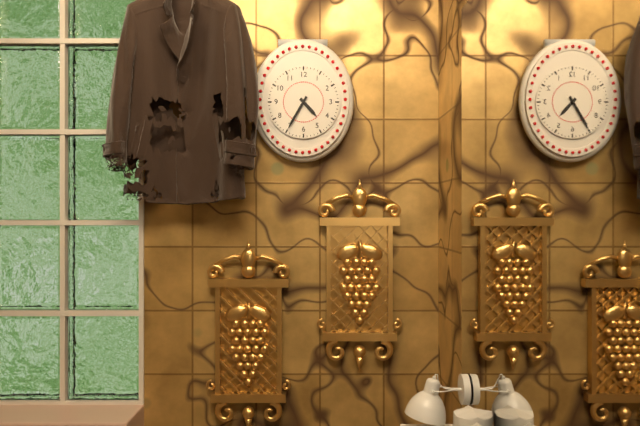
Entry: 4h35
